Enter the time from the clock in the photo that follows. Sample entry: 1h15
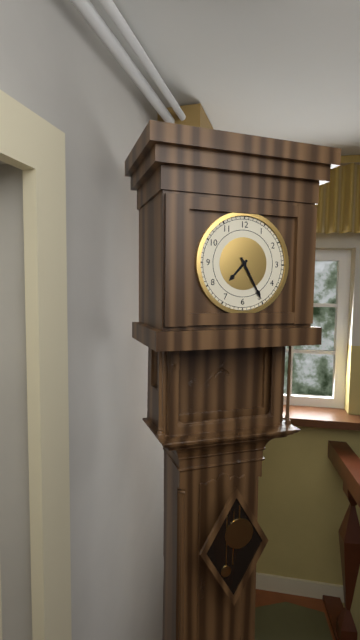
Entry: 7h25
